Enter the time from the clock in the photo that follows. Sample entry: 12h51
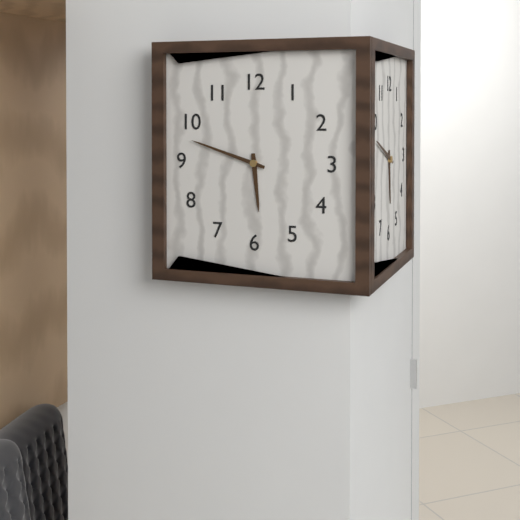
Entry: 5h48
